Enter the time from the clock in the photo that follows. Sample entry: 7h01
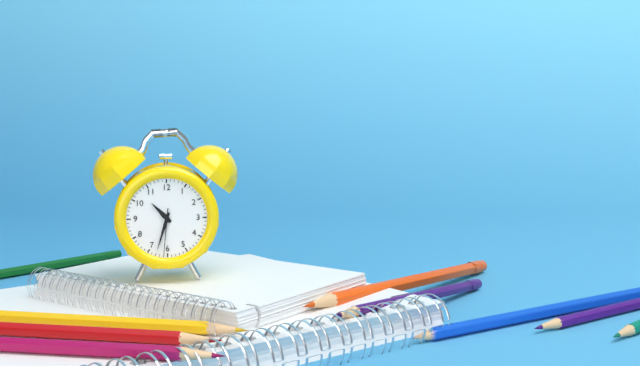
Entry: 10h33
